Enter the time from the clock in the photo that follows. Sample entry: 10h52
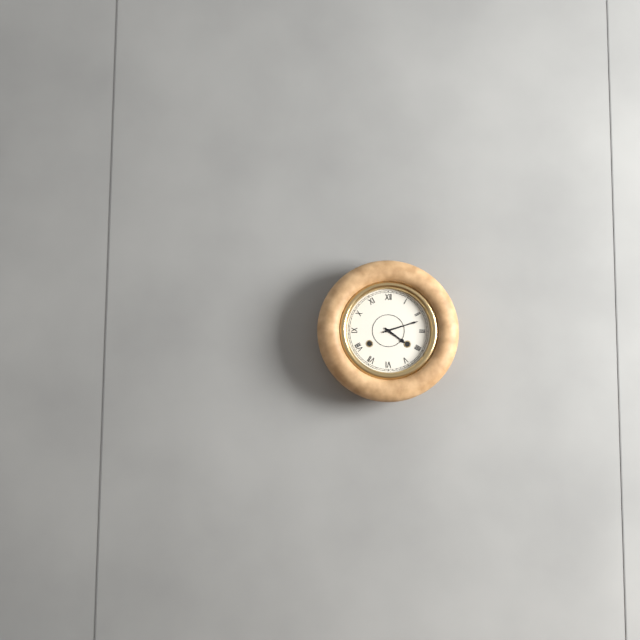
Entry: 4h12
